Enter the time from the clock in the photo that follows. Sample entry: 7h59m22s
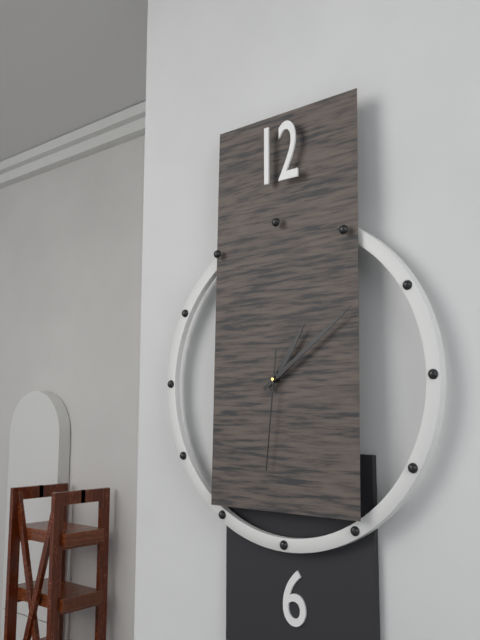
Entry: 1h09m31s
